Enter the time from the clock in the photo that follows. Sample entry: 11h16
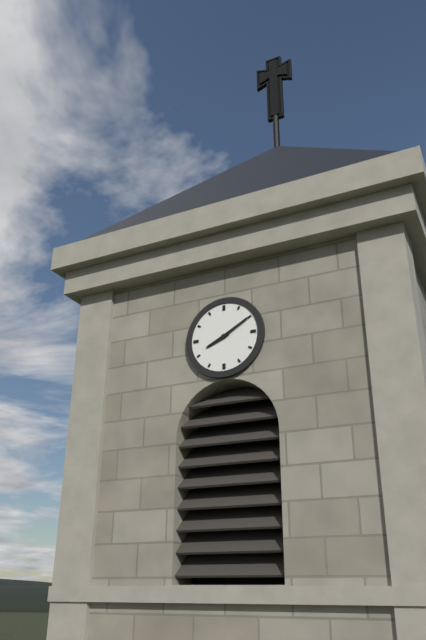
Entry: 8h10
